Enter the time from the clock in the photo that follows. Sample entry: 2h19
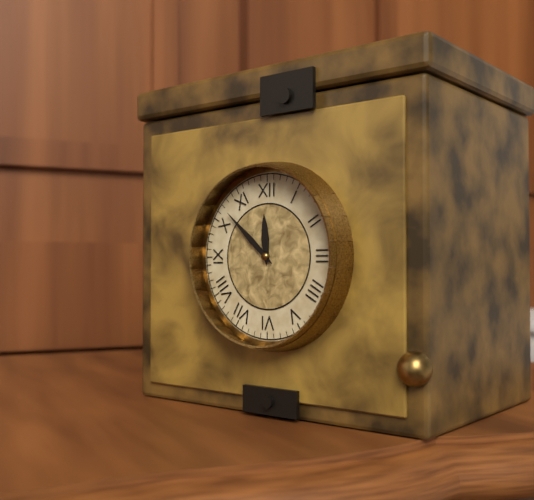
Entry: 11h52
